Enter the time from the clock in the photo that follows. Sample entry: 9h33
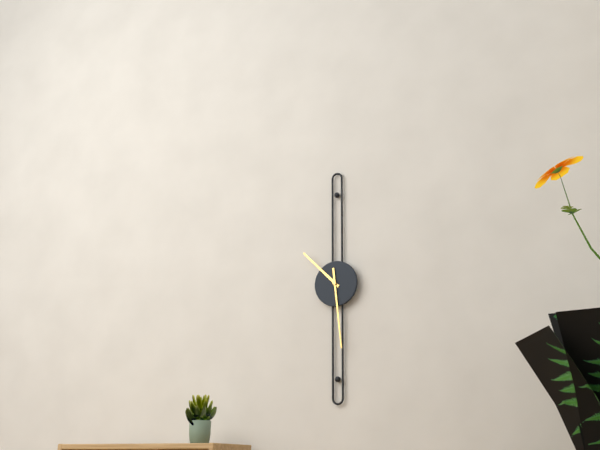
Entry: 10h29
